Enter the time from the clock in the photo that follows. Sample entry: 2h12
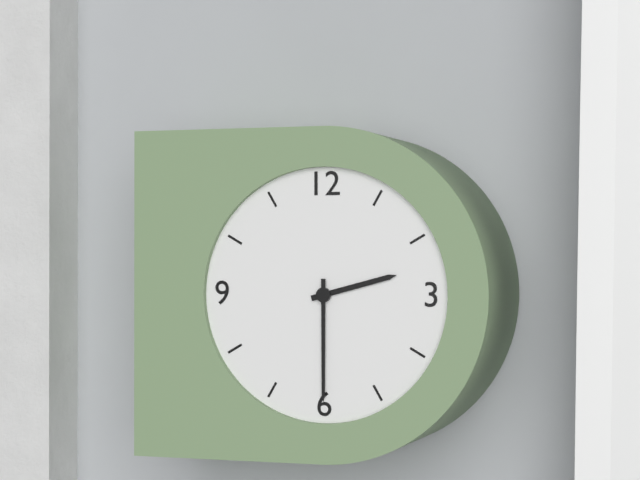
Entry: 2h30
